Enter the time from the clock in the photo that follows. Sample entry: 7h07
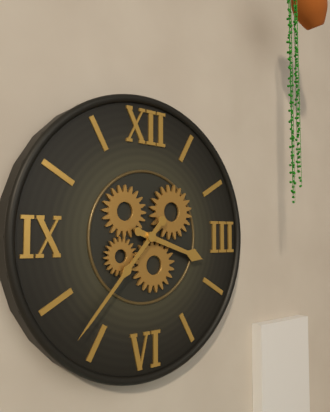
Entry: 3h37
